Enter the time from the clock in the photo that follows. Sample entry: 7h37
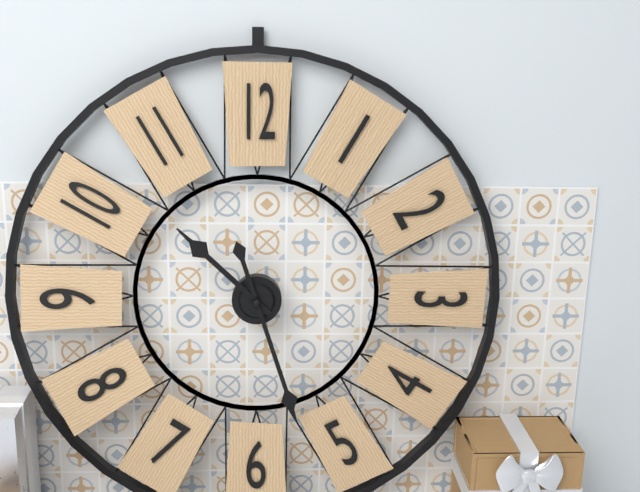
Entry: 10h27
